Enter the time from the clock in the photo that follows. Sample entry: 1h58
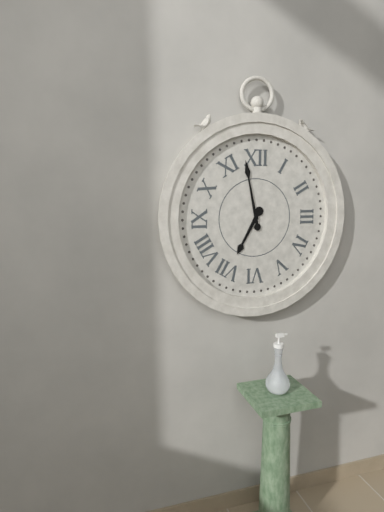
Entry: 6h58
